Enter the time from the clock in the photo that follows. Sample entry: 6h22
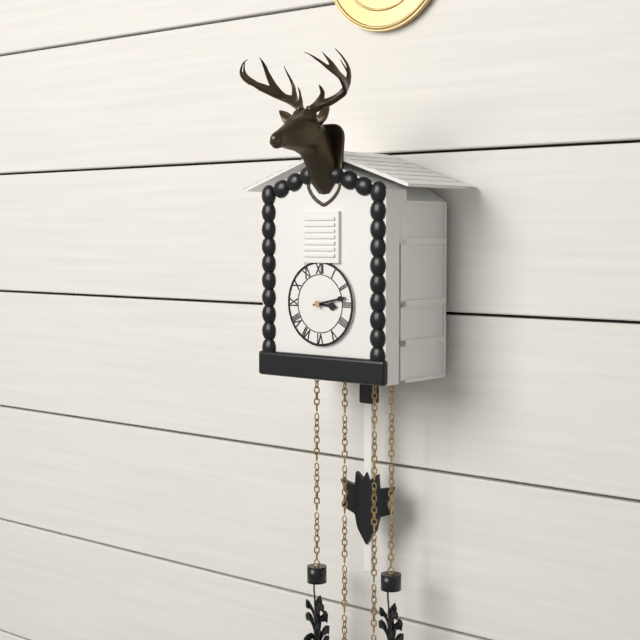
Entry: 3h13
